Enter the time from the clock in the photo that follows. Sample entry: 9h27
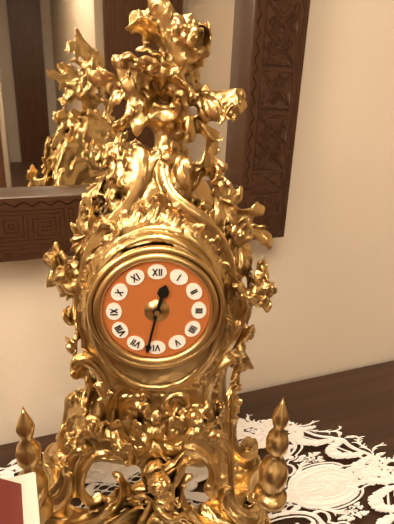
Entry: 12h32
